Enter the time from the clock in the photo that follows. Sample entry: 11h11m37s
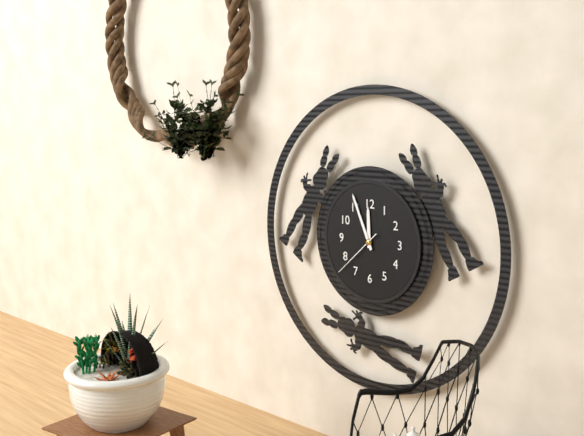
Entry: 11h56m38s
